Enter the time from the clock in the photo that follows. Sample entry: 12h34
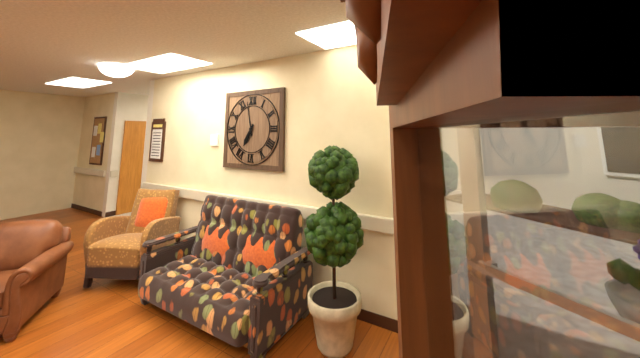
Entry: 6h58
